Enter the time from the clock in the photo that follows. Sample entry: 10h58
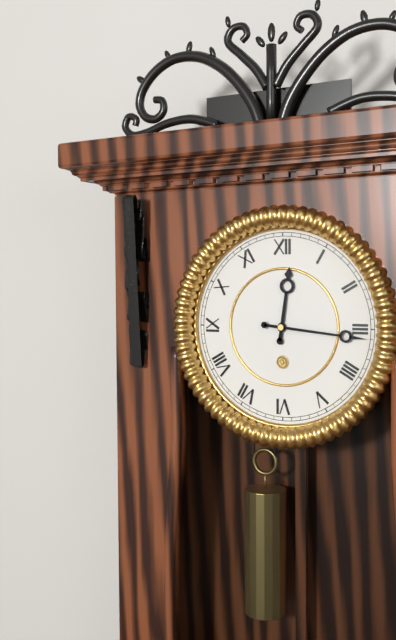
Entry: 12h16
